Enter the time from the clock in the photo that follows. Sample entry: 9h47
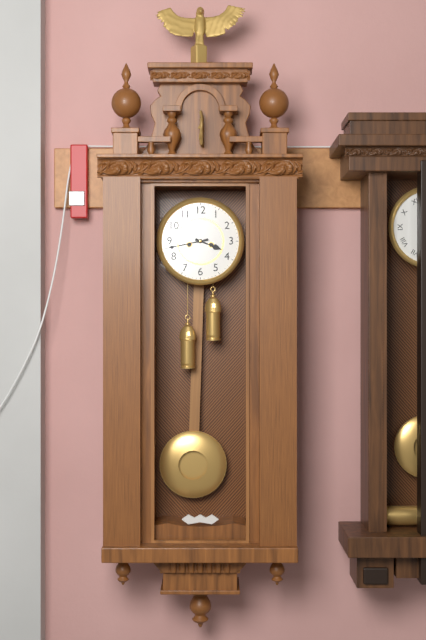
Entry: 3h43
